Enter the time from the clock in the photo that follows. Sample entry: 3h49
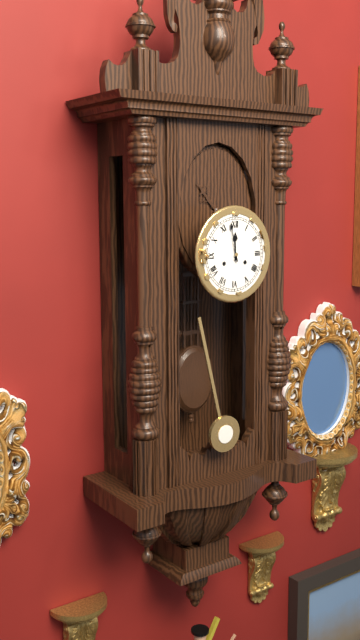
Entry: 11h58
